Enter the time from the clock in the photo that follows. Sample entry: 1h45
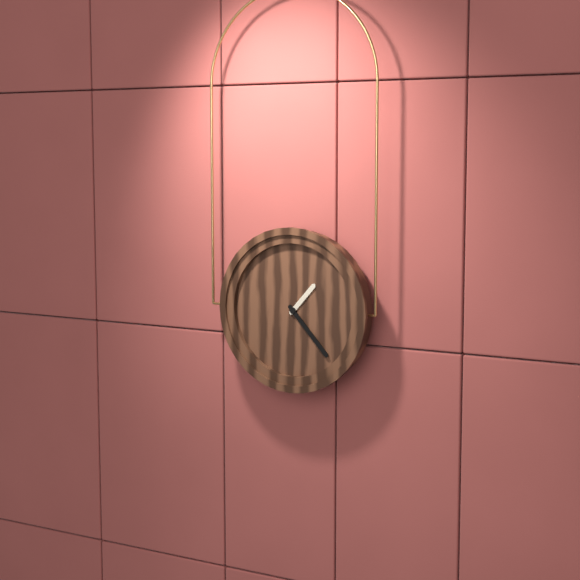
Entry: 1h23
